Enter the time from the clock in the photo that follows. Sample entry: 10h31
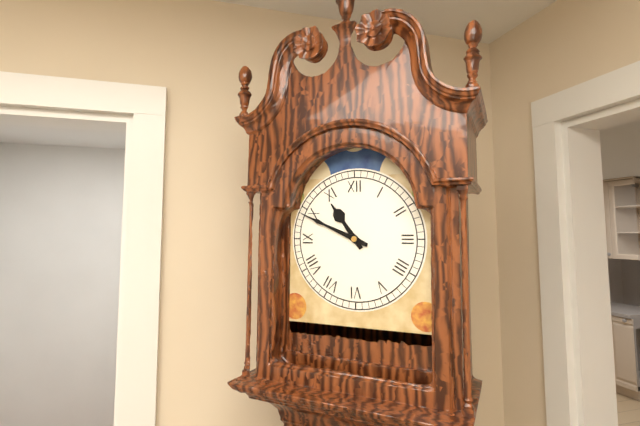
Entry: 10h49
